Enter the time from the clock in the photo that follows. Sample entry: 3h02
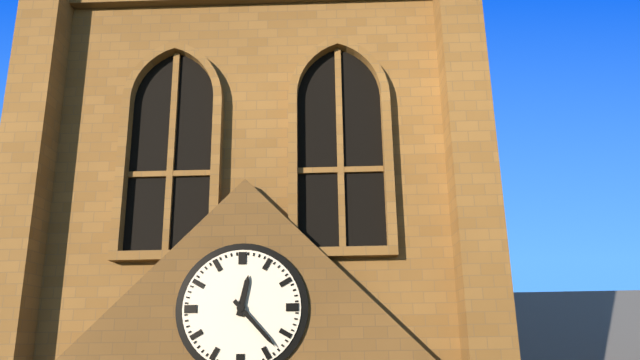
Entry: 12h23
